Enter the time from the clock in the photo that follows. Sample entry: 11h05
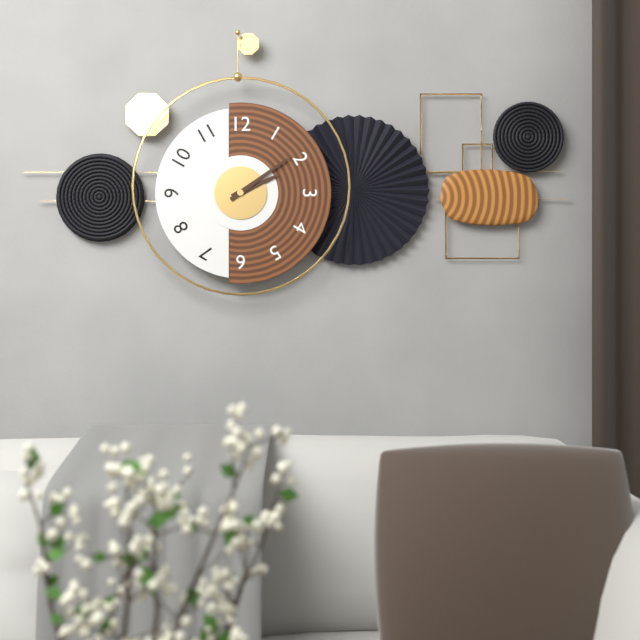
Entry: 2h09
